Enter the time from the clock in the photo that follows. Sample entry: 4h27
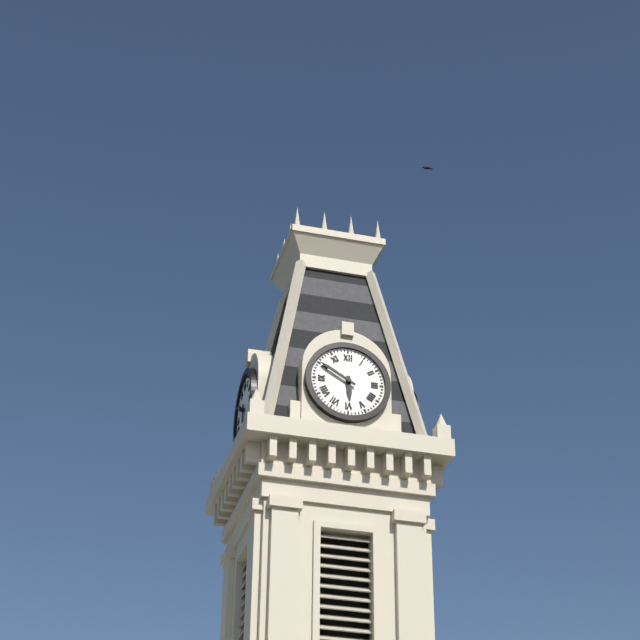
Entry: 5h50
